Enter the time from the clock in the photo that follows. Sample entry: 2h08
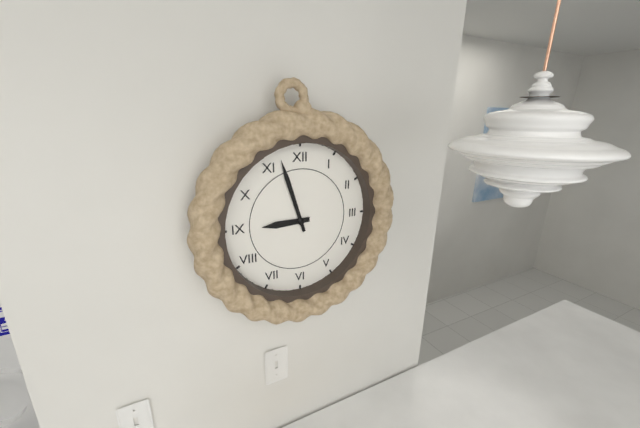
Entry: 8h57
